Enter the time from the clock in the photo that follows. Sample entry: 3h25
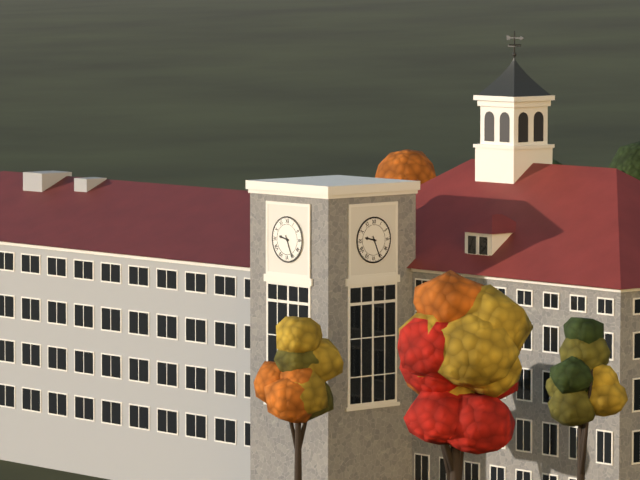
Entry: 9h26
